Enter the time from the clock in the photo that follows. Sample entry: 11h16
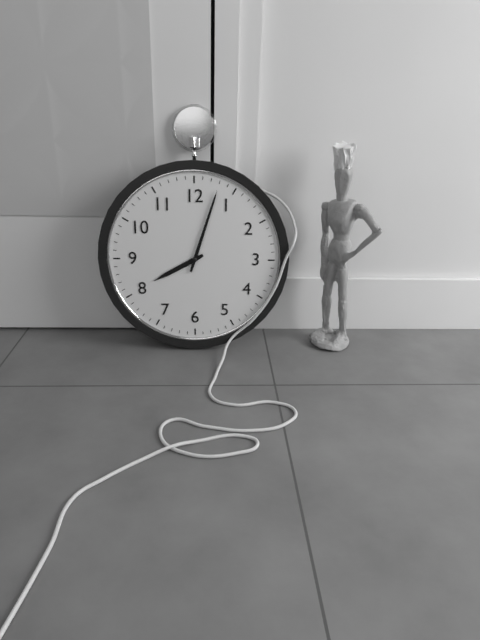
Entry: 8h03
